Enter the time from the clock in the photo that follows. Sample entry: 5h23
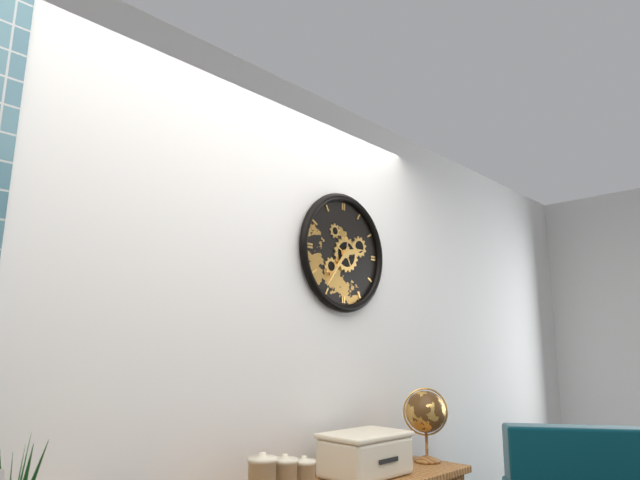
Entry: 2h36
